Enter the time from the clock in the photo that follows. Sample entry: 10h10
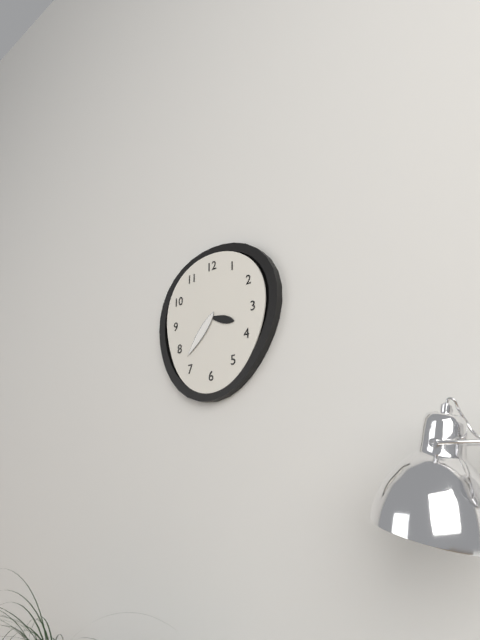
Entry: 3h37
